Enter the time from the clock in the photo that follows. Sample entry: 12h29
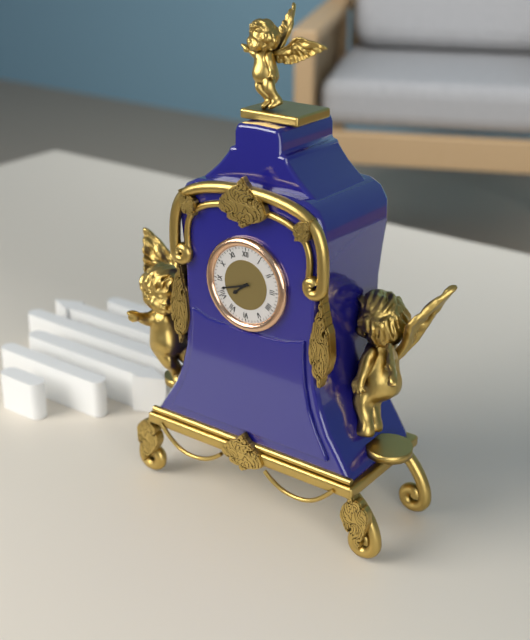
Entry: 7h42
